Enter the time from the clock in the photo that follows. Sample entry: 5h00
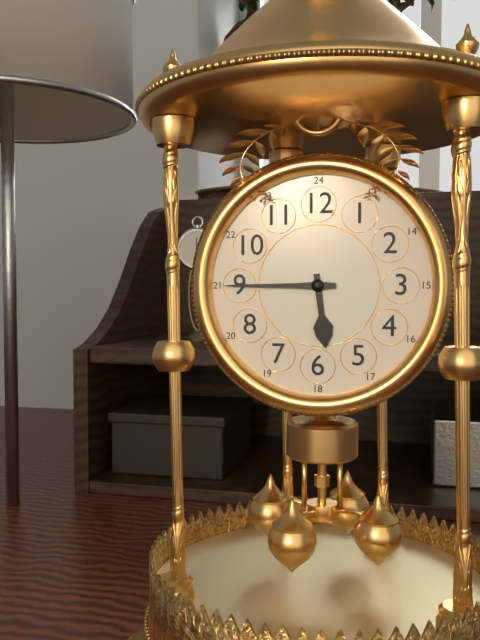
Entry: 5h45
